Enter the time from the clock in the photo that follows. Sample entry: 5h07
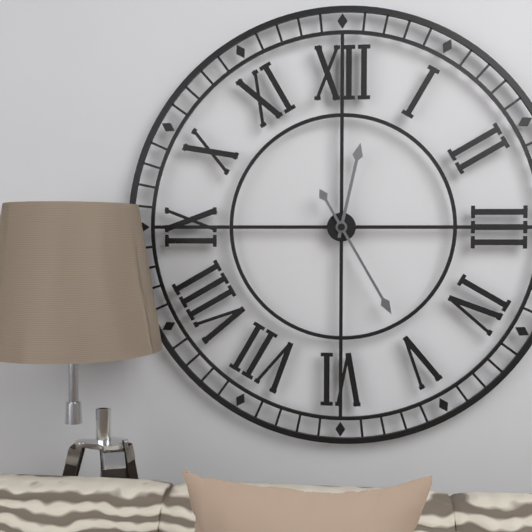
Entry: 12h25
